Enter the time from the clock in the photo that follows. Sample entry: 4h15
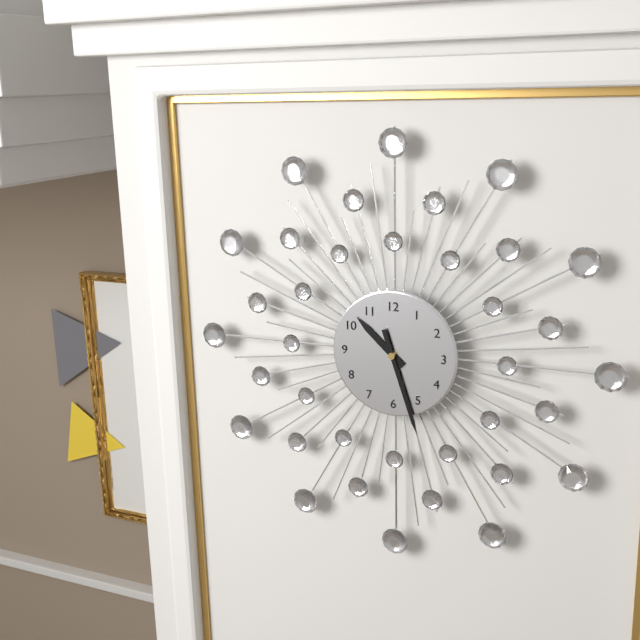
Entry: 10h27
